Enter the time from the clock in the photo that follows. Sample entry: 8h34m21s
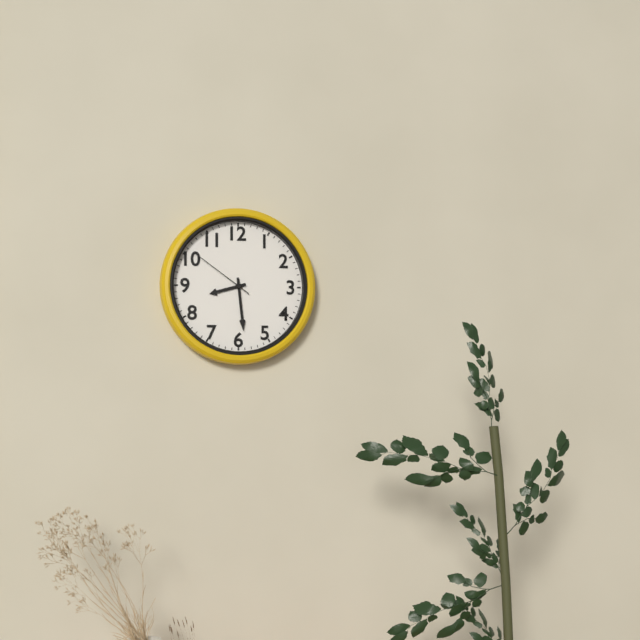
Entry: 8h29m51s
